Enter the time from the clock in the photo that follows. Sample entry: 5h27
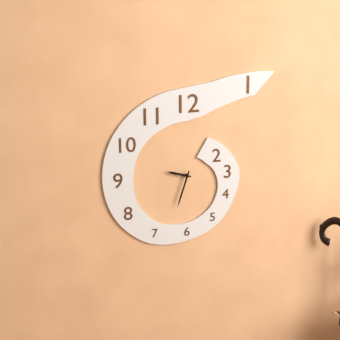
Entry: 9h33
